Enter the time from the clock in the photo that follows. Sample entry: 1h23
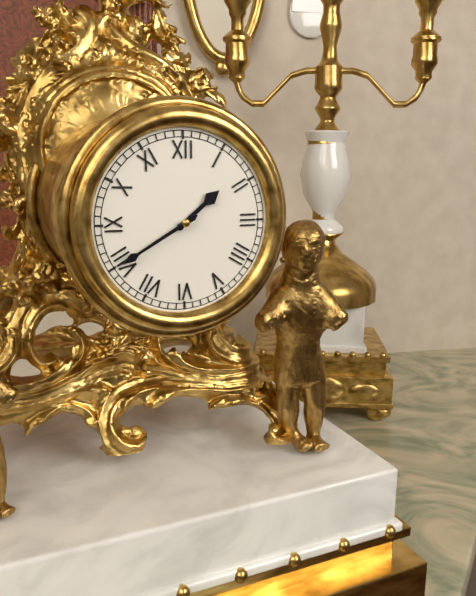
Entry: 1h40
